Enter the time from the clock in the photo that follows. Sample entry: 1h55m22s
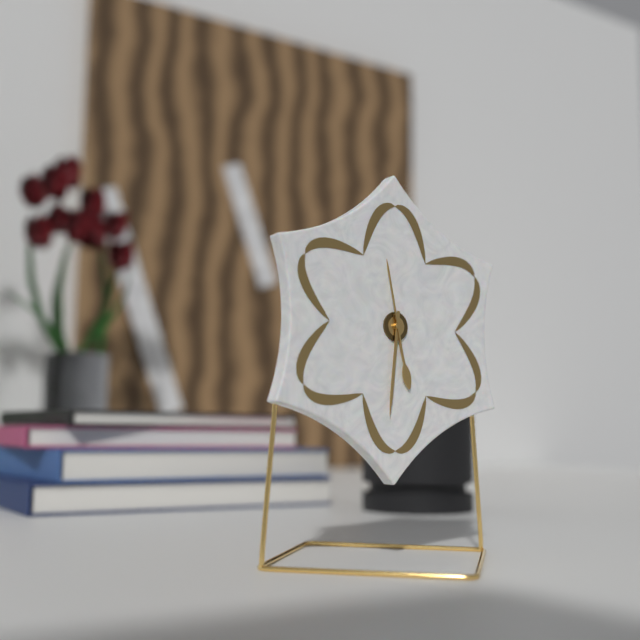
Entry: 5h31m58s
